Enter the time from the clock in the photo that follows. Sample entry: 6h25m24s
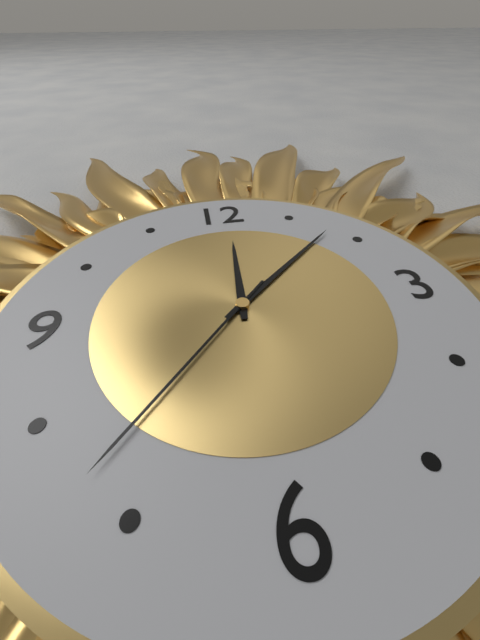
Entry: 12h08m37s
